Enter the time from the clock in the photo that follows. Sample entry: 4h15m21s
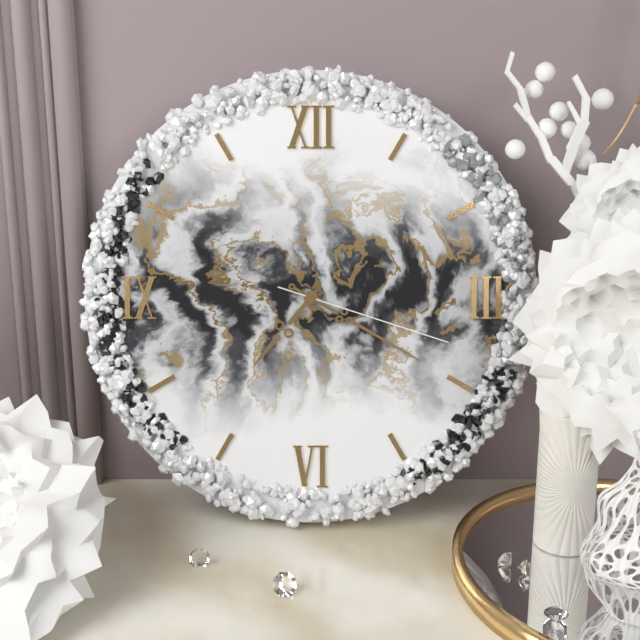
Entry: 7h20m18s
